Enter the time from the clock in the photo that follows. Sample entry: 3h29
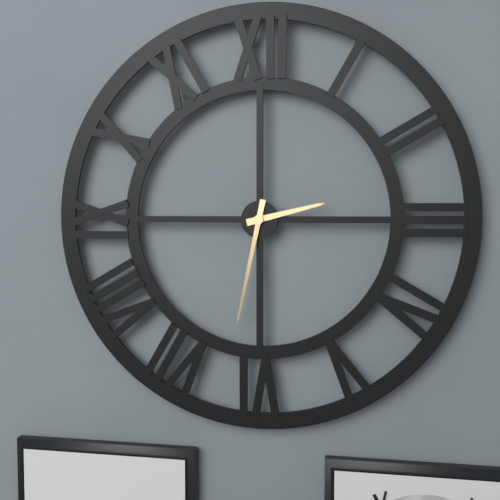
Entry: 2h32
